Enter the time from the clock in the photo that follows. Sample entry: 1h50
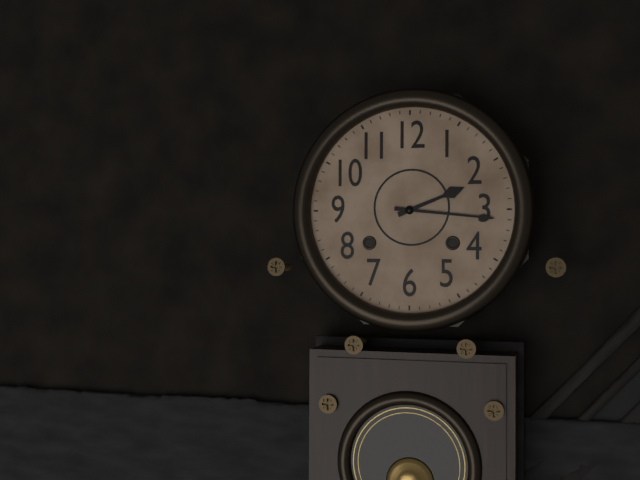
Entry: 2h16
